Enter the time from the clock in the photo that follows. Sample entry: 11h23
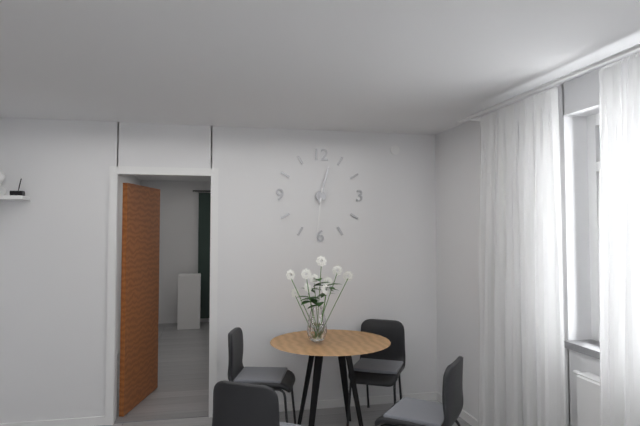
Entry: 12h31
